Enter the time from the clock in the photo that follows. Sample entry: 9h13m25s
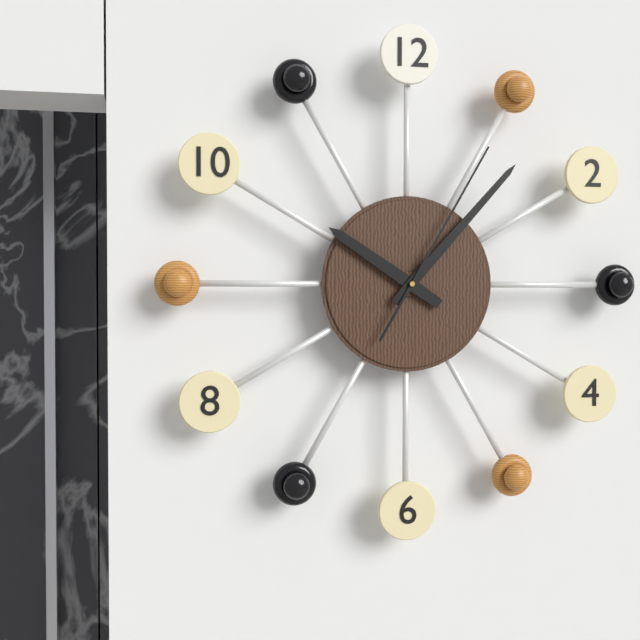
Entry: 10h07m05s
